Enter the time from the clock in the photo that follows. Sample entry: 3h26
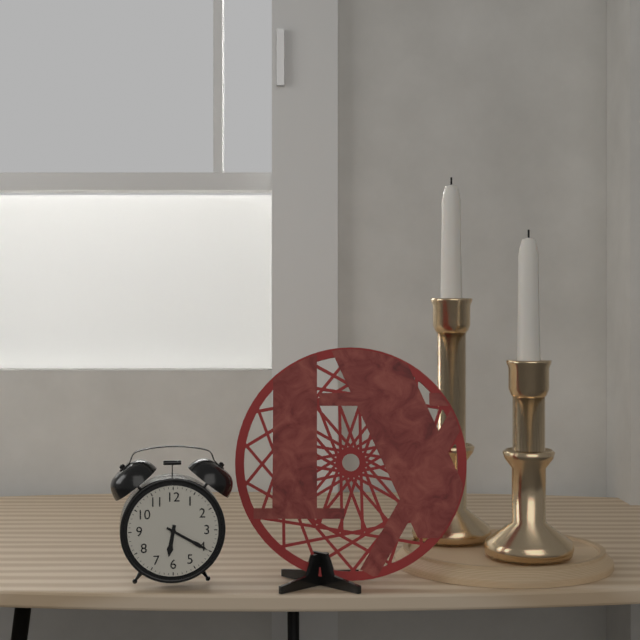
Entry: 6h20
